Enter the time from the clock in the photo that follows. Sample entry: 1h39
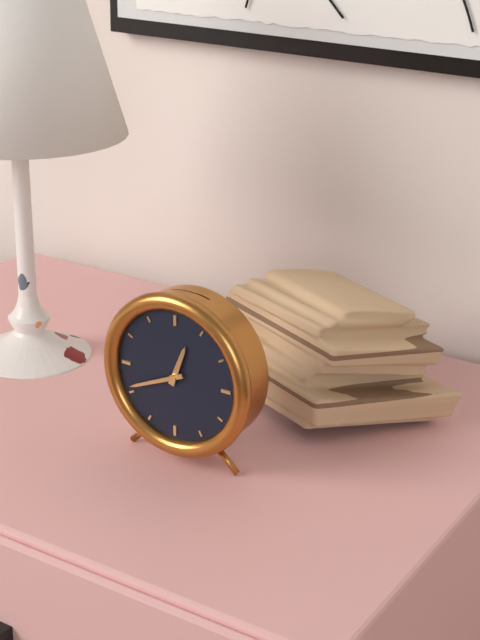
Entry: 12h41
